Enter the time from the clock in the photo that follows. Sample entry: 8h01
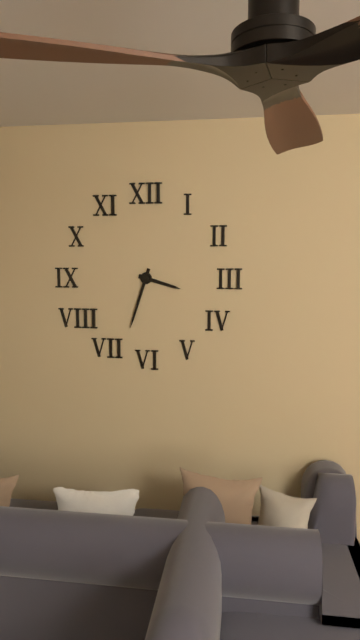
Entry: 3h33
